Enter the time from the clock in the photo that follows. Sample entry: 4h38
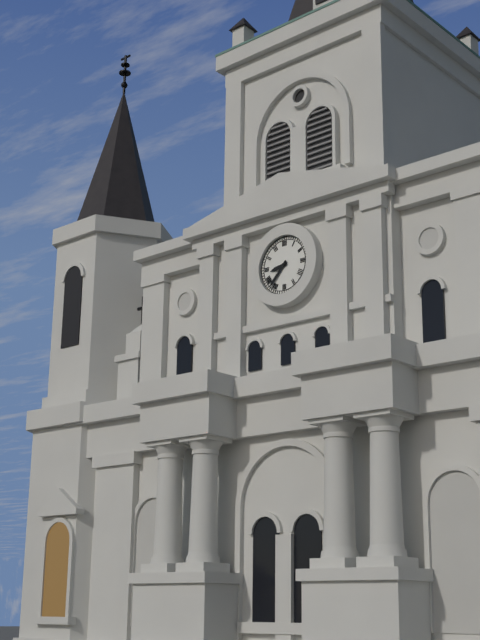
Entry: 8h37
